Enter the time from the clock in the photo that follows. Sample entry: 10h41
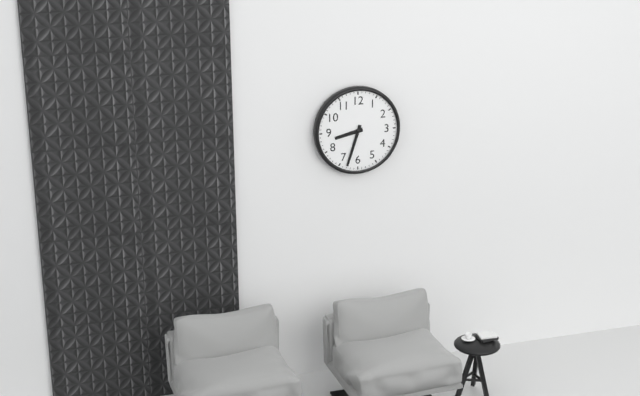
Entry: 8h33
